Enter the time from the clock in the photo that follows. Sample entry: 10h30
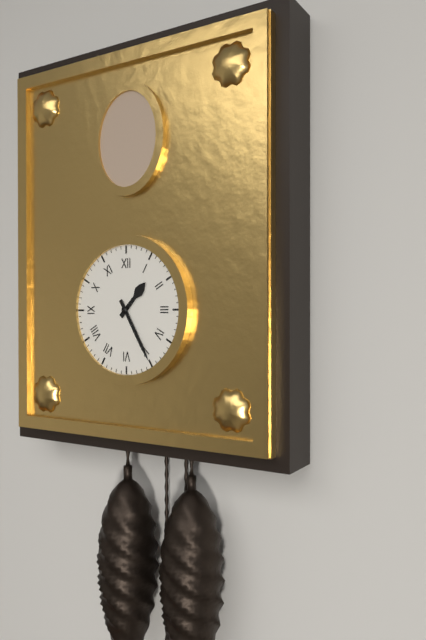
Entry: 1h25
